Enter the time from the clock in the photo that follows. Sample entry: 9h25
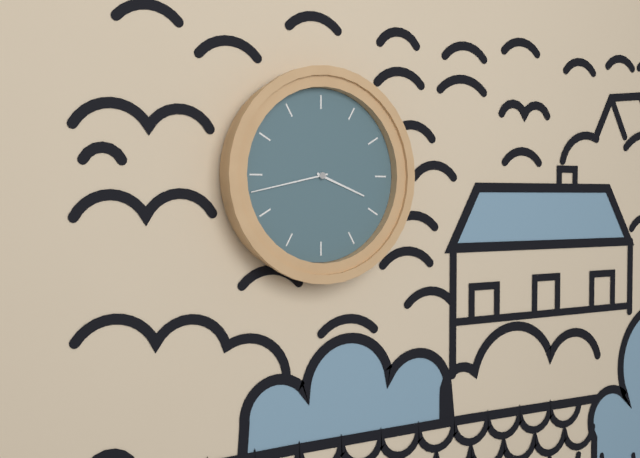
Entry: 3h43
